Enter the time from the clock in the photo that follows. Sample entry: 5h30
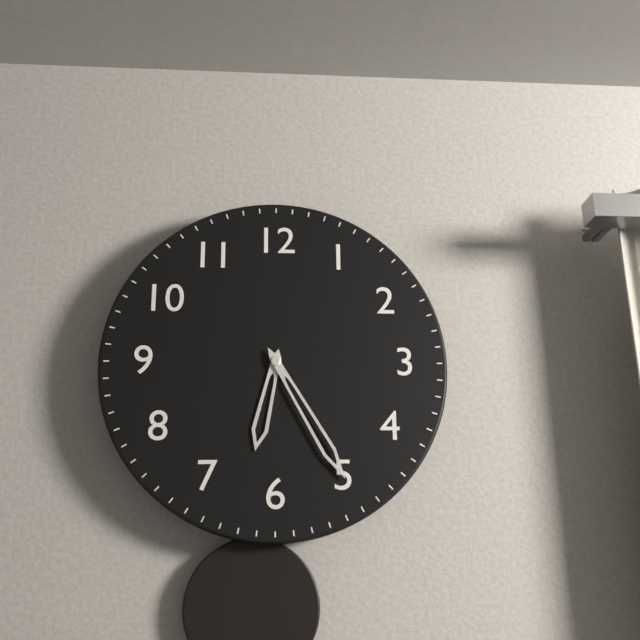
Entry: 6h25
